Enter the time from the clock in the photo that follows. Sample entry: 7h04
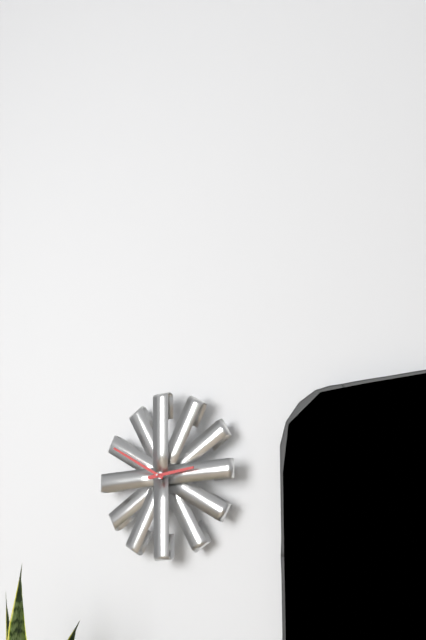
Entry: 2h50
